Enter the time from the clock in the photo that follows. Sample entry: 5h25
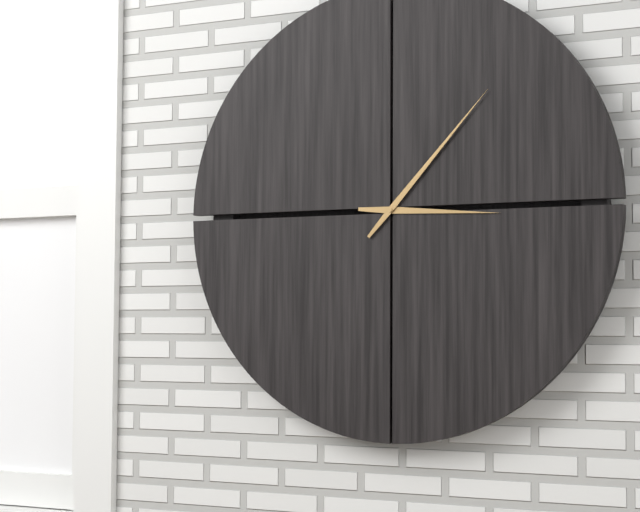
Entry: 3h07
